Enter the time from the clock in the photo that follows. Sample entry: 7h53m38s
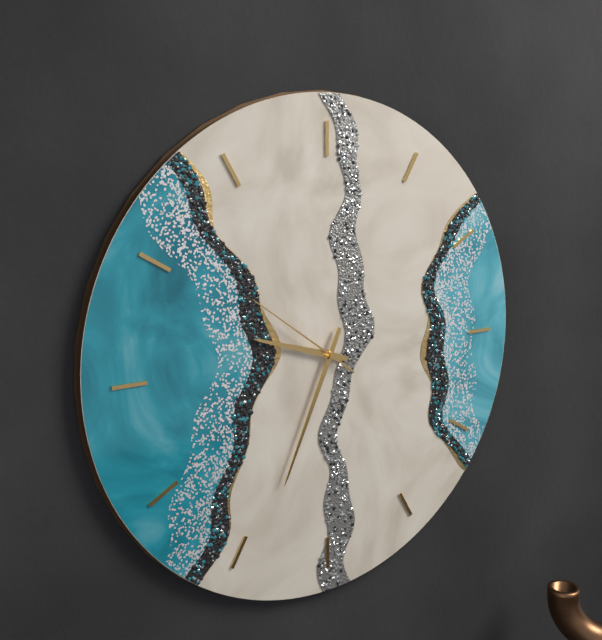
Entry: 9h34m51s
